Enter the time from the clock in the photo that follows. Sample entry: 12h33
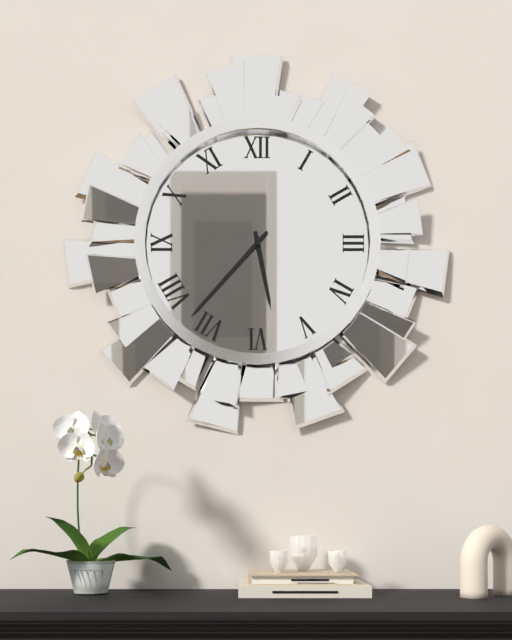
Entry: 5h37
